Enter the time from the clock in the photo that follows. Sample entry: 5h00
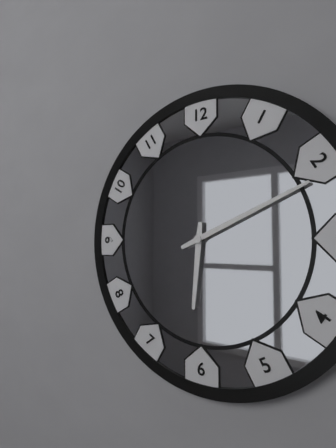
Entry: 6h11
